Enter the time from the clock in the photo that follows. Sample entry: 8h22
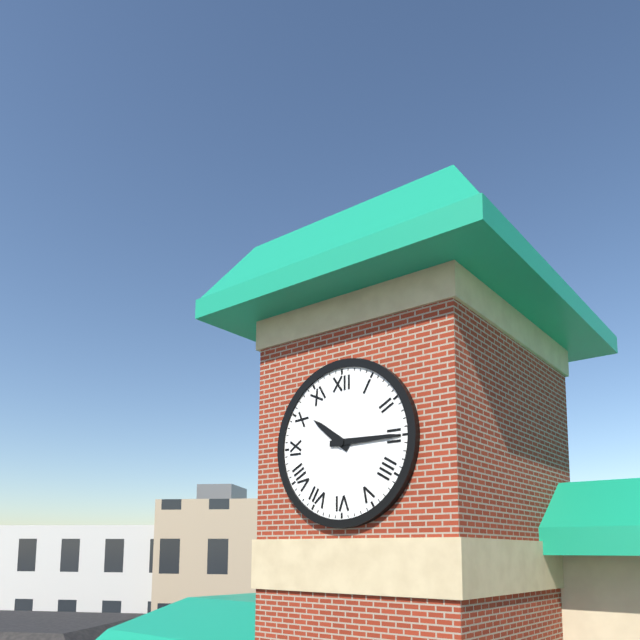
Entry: 10h15
